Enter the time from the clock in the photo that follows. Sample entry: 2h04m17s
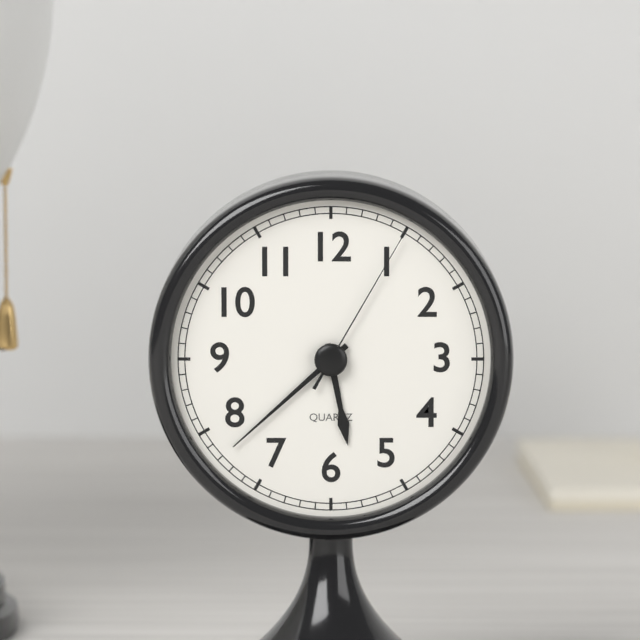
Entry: 5h38m05s
